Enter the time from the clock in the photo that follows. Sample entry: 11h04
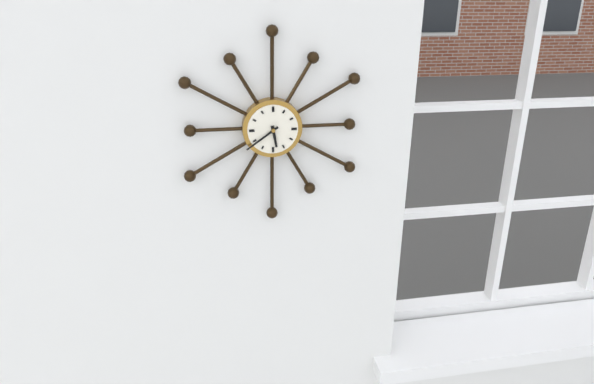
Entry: 5h39
